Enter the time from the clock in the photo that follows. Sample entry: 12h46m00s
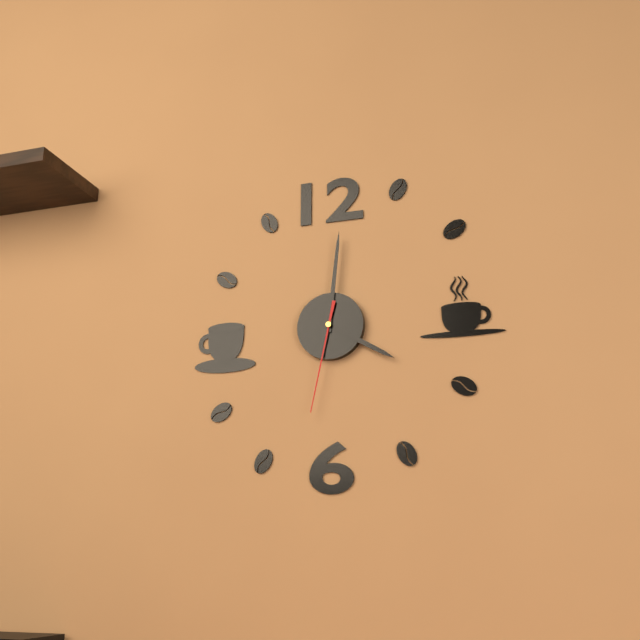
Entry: 4h01m32s
